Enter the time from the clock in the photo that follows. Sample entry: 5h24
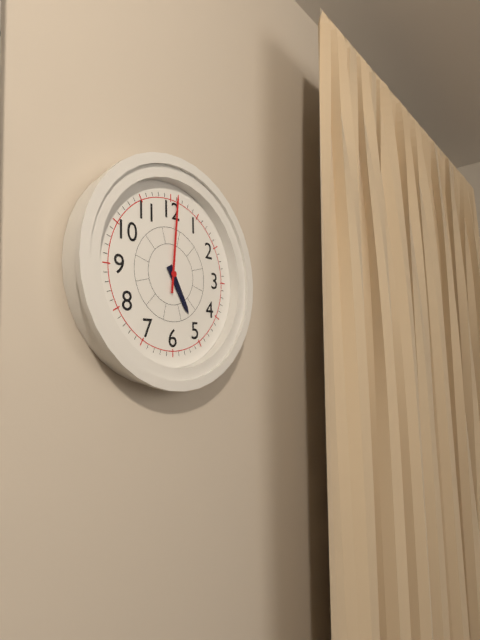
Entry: 5h01
